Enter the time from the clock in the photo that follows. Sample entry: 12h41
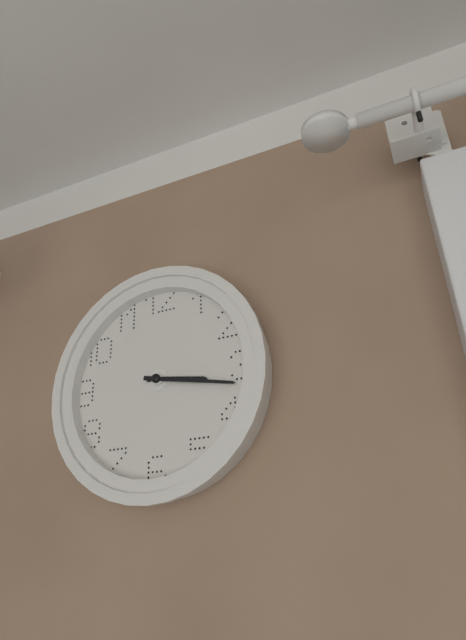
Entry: 3h17
